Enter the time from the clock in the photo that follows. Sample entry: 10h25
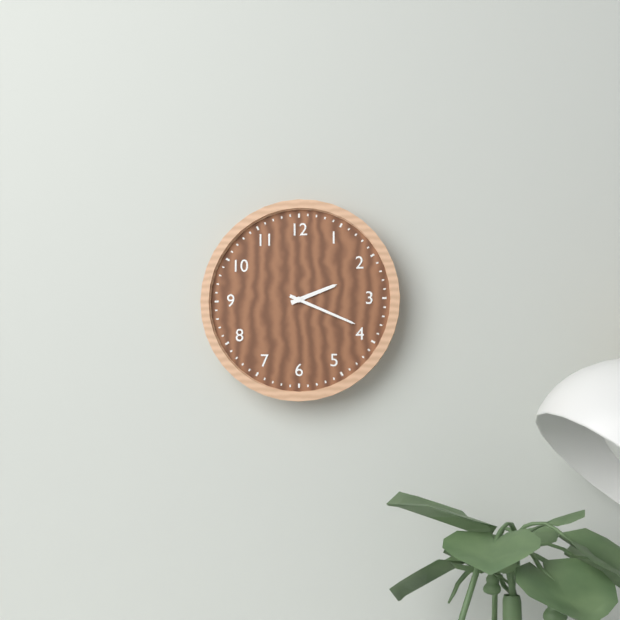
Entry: 2h19
